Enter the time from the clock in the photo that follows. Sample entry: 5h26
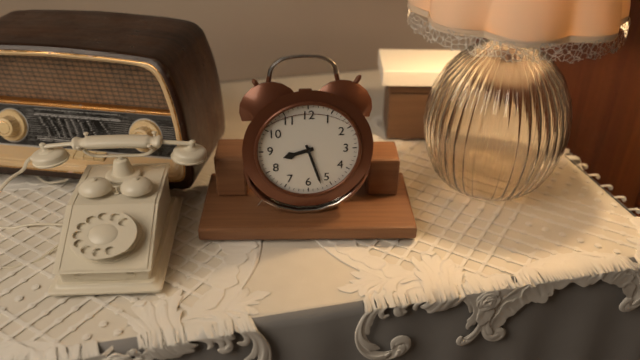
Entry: 8h27
